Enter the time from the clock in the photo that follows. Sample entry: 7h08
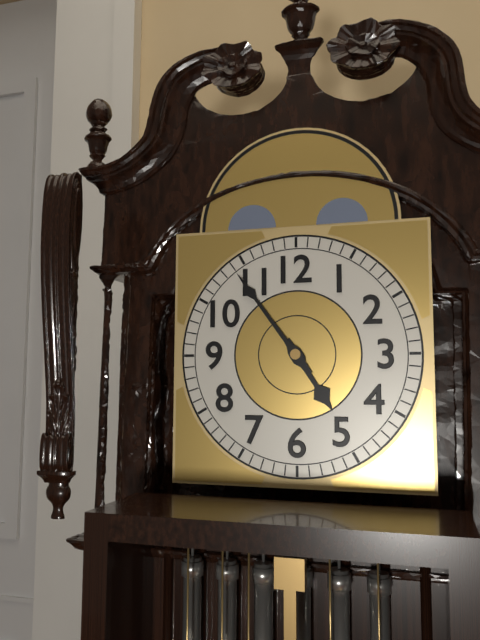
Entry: 4h54
